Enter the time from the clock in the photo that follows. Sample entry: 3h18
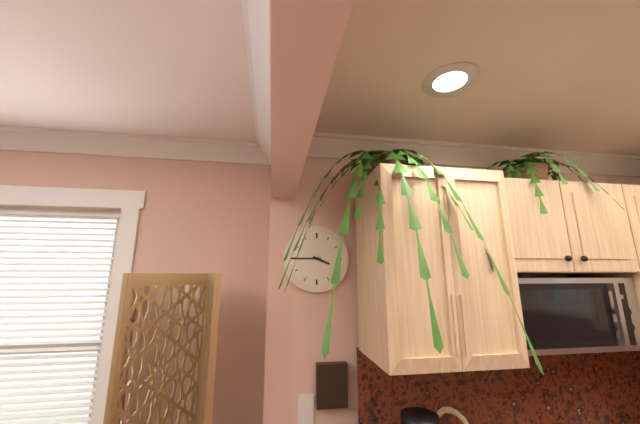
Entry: 3h45
